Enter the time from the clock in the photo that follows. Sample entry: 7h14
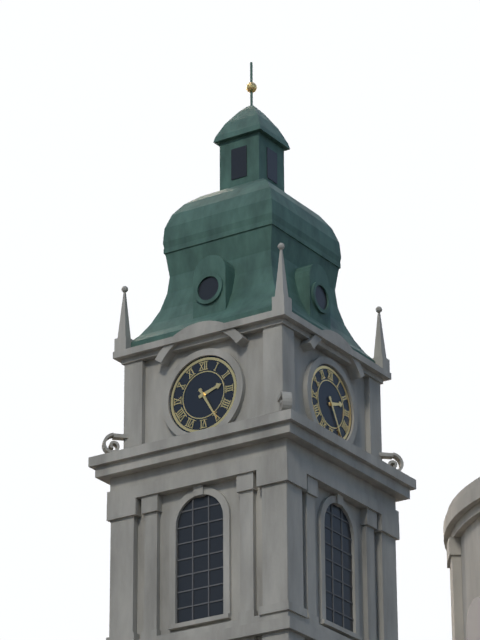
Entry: 2h25
